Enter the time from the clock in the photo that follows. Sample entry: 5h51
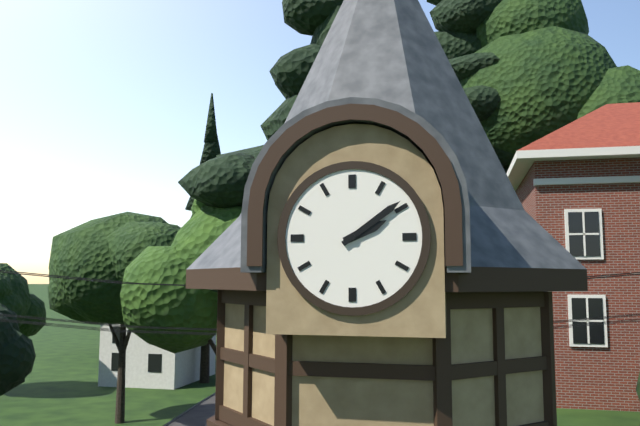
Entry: 2h09
